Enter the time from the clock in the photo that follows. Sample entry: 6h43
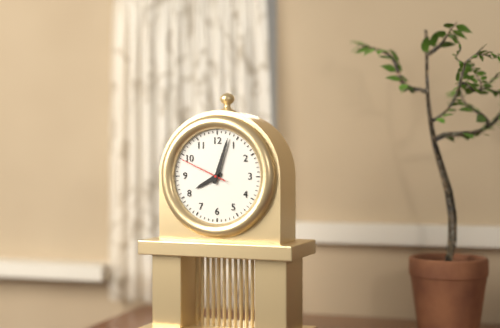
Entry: 8h03
